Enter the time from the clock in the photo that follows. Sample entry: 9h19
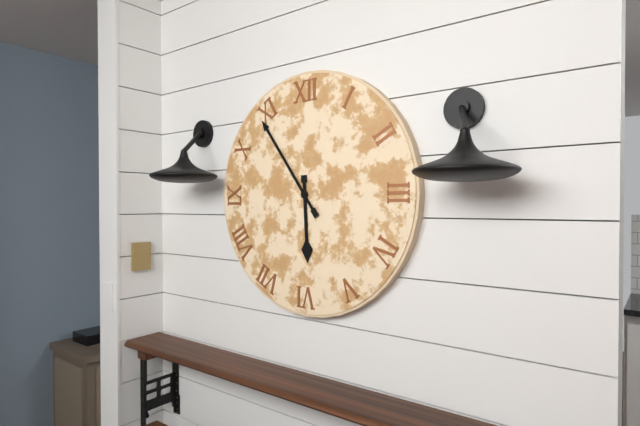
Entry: 5h54
